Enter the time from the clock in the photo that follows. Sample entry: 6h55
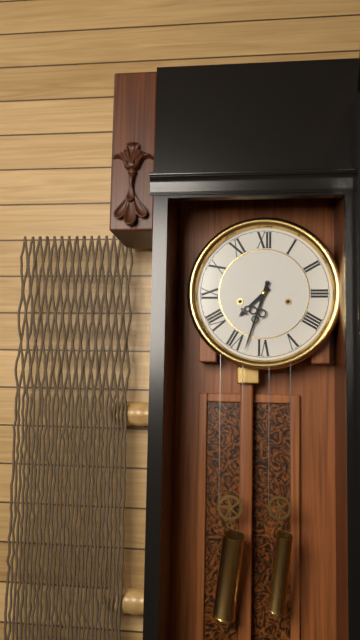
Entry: 7h33
